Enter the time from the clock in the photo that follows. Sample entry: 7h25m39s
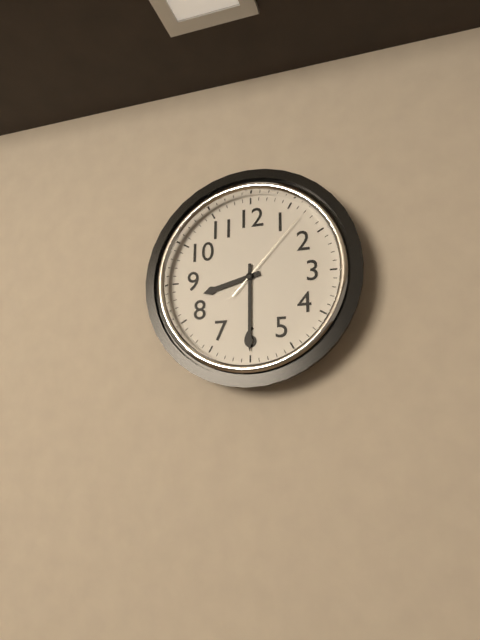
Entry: 8h30m07s
